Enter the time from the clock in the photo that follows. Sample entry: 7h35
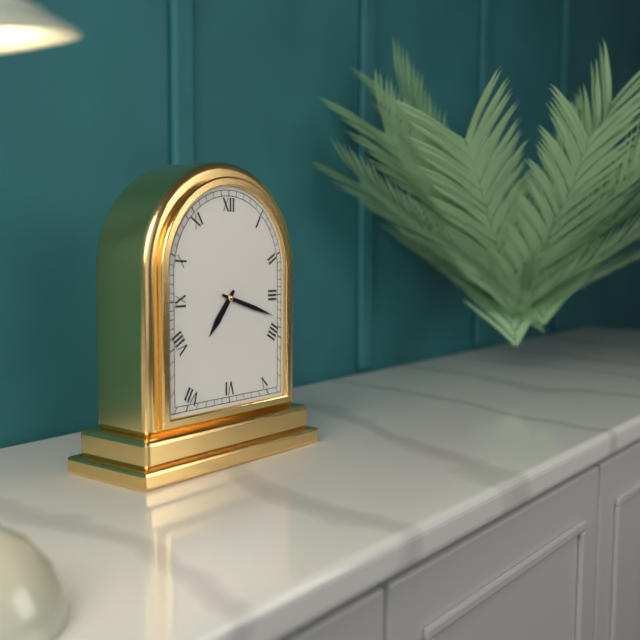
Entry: 7h18
